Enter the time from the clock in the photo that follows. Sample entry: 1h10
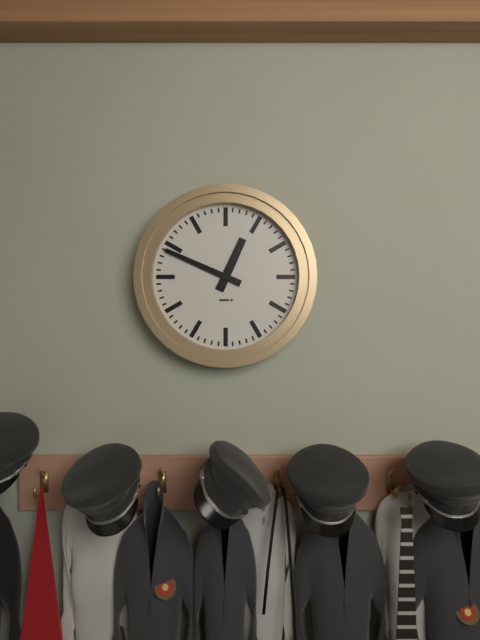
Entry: 12h49
